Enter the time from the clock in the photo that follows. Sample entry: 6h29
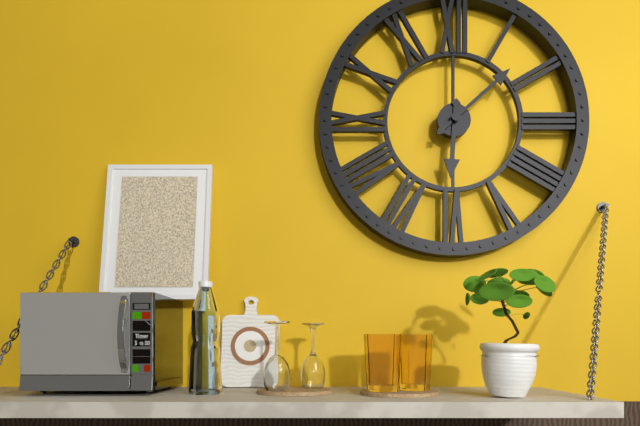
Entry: 6h08
